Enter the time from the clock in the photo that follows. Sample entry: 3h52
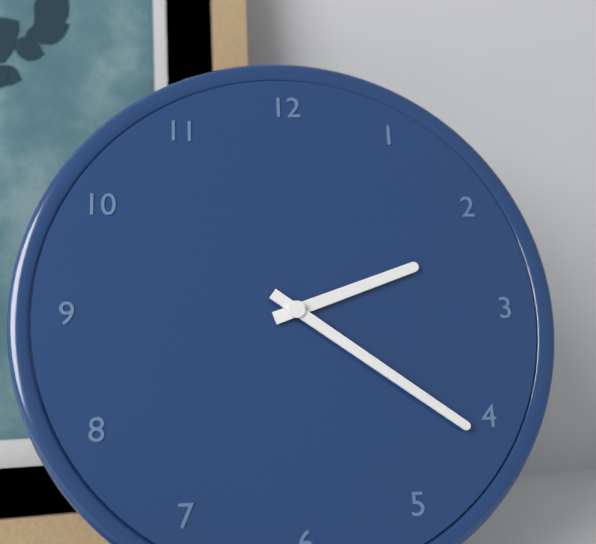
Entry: 2h21
